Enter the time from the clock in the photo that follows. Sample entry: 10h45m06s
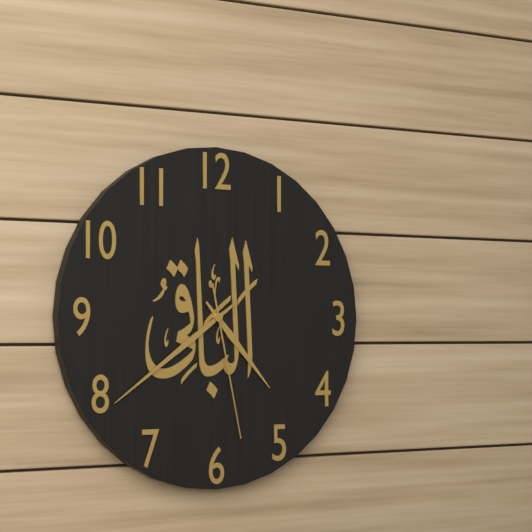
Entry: 4h39m28s
